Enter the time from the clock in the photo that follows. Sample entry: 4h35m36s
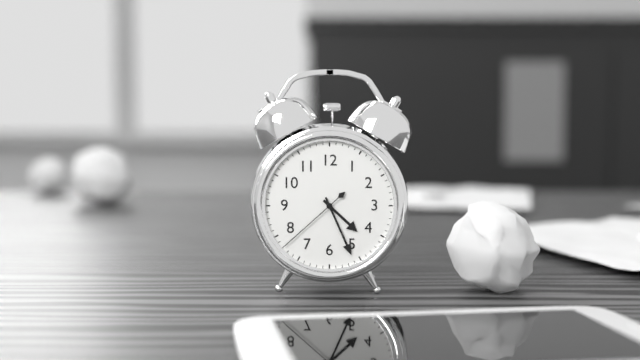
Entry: 4h26m38s
